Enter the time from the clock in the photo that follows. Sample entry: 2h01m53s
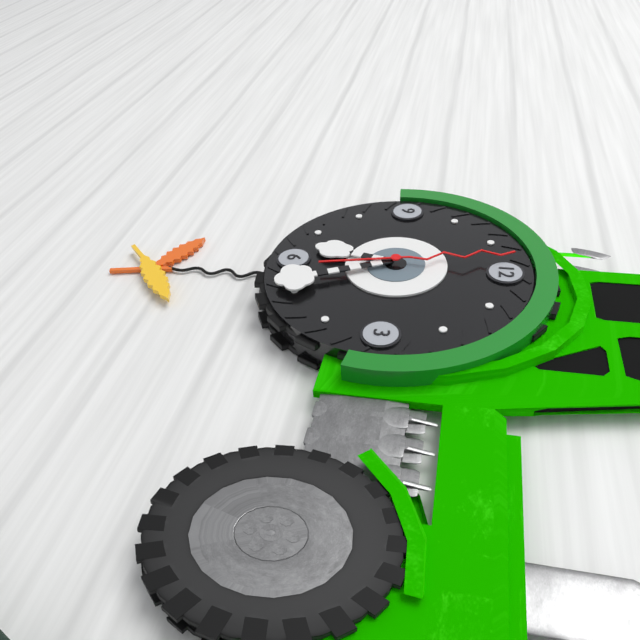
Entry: 6h26m58s
